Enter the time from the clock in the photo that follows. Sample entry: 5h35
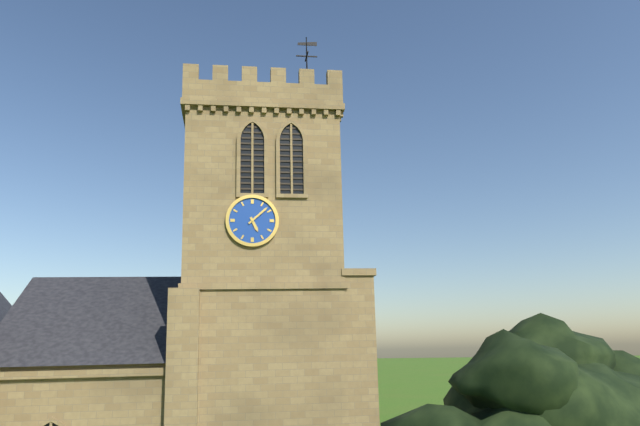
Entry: 5h08
